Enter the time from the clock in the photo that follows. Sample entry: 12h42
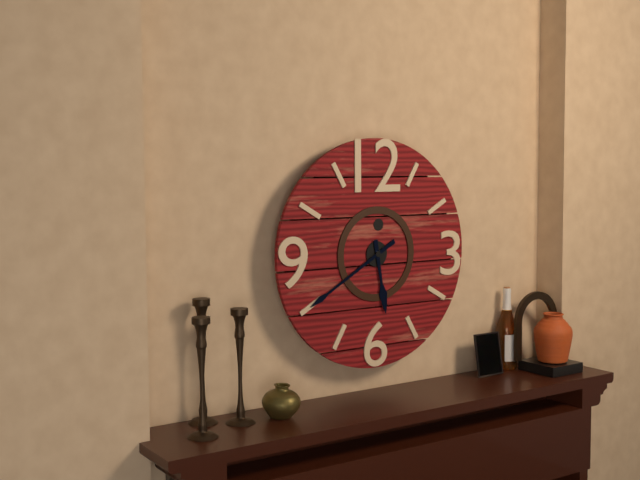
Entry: 5h40
